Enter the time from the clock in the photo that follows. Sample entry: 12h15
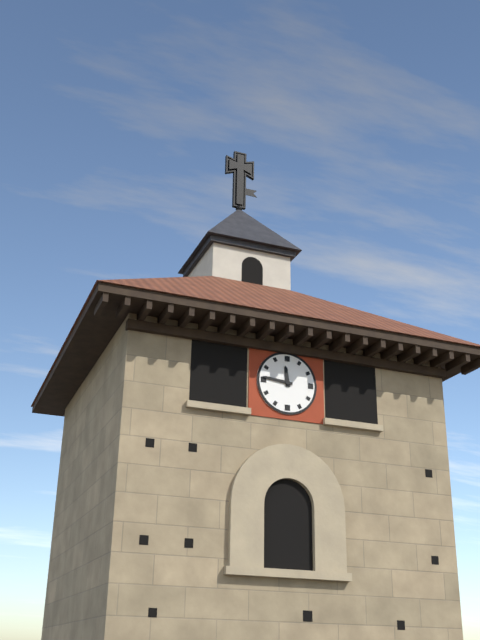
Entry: 11h46
